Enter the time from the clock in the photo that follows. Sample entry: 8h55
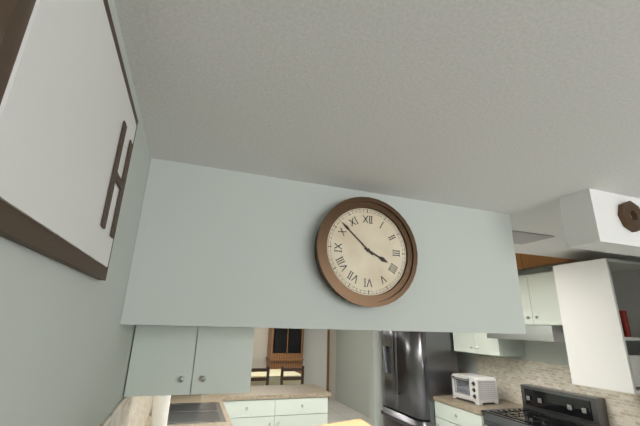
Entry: 3h52
